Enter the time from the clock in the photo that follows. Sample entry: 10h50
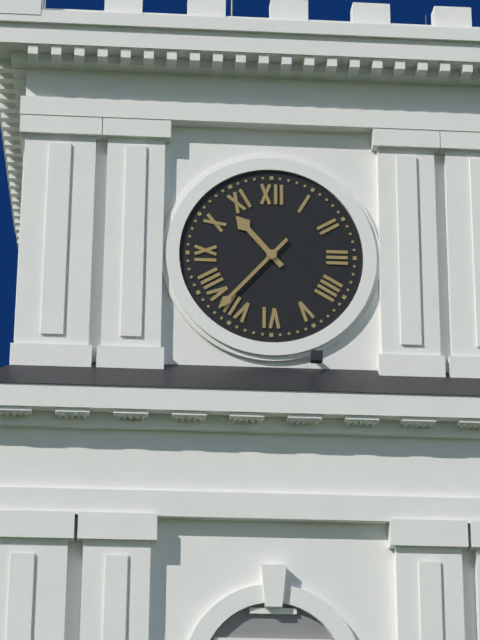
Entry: 10h37
